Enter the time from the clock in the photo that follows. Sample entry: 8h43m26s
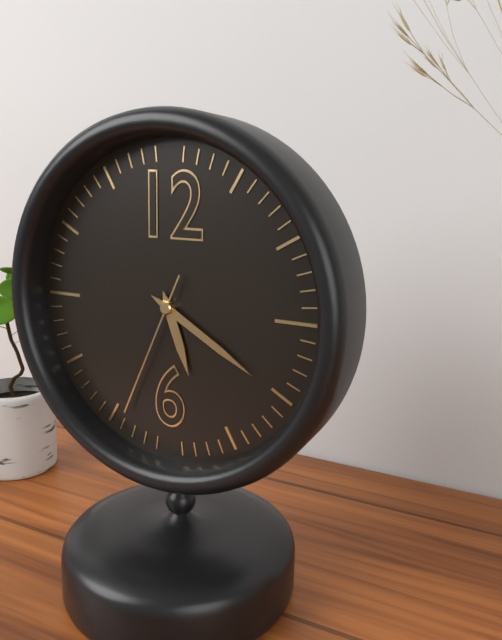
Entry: 5h20m34s
